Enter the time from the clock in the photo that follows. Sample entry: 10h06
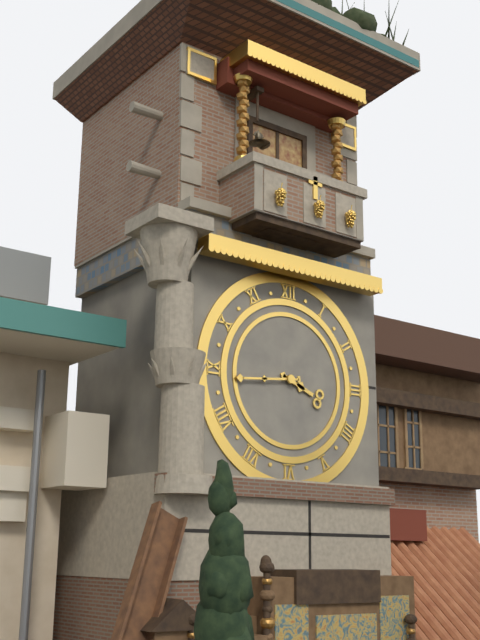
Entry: 3h44
